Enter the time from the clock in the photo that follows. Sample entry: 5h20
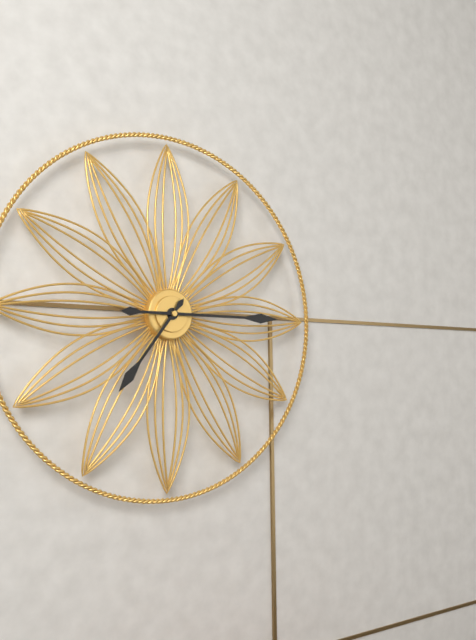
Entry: 7h15
